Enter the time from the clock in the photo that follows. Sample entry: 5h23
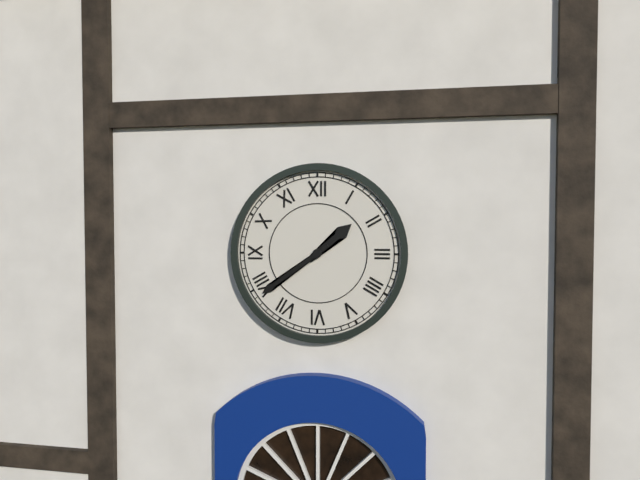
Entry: 1h39
